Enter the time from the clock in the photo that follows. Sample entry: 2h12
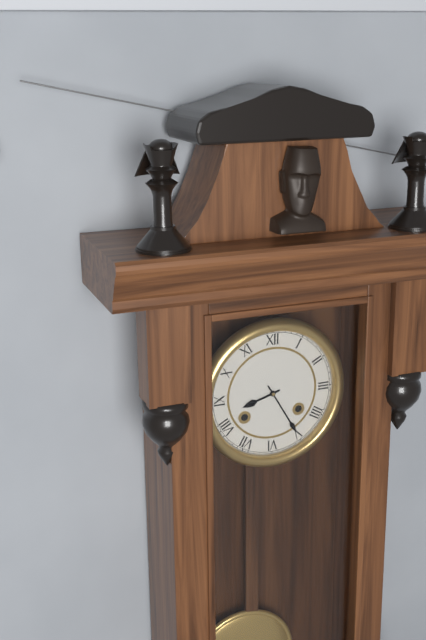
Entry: 8h25
